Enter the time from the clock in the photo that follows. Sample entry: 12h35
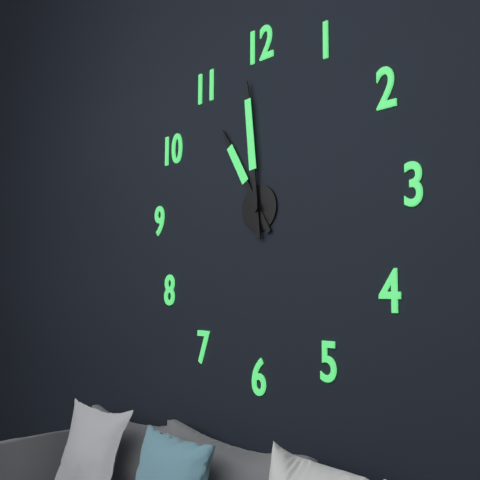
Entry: 10h59
